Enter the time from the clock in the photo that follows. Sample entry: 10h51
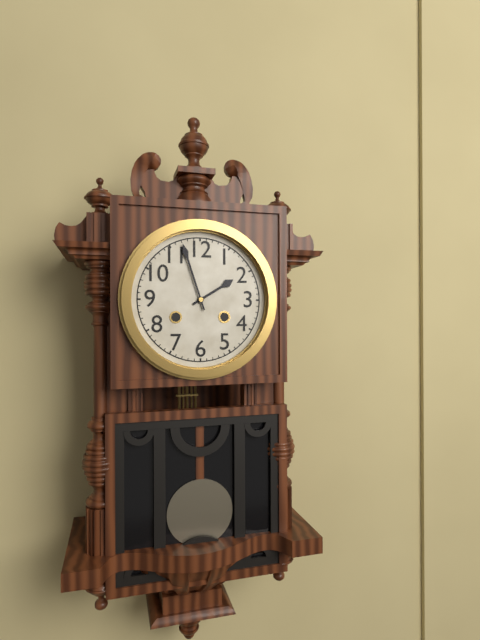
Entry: 1h57
